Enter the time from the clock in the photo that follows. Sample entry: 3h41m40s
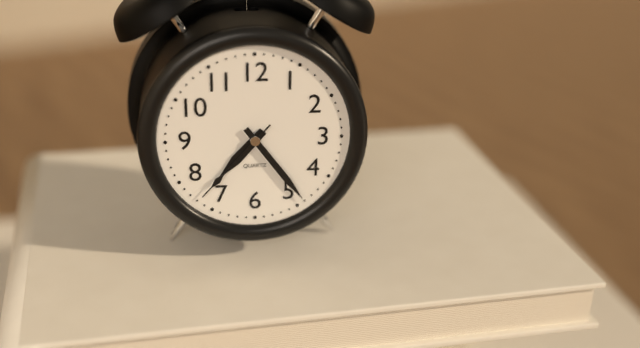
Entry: 7h24m37s
